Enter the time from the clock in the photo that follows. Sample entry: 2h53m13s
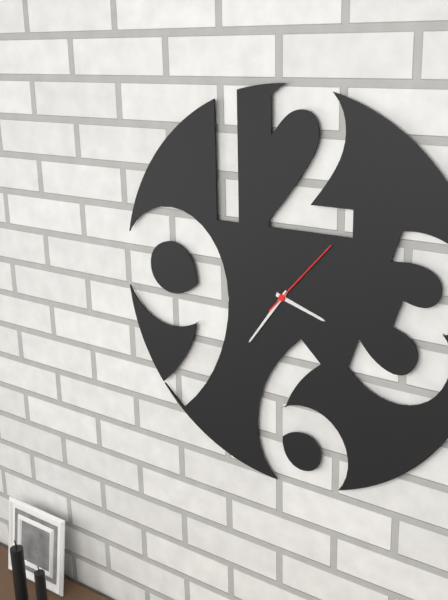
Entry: 3h36m07s
